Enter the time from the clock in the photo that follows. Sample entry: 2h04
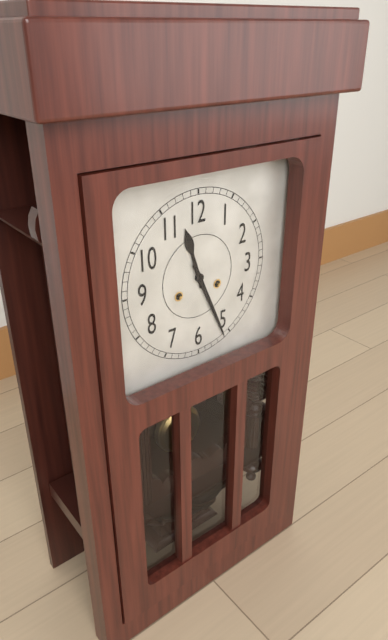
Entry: 11h26
